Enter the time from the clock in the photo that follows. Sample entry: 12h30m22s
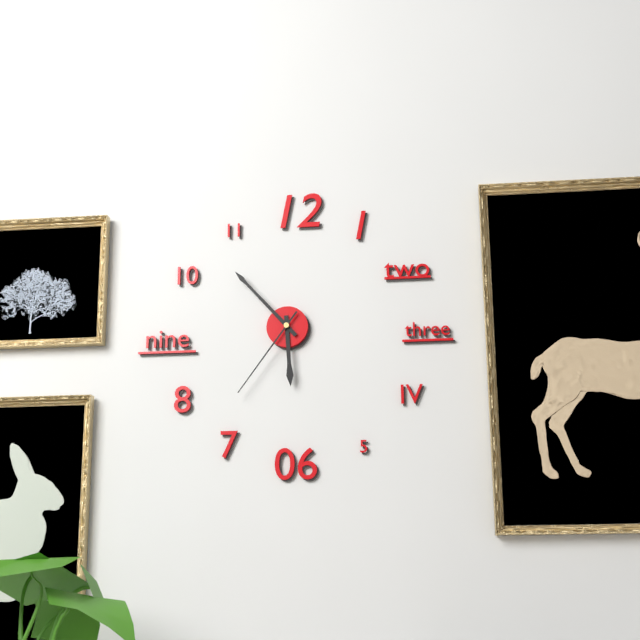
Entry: 5h53m36s
